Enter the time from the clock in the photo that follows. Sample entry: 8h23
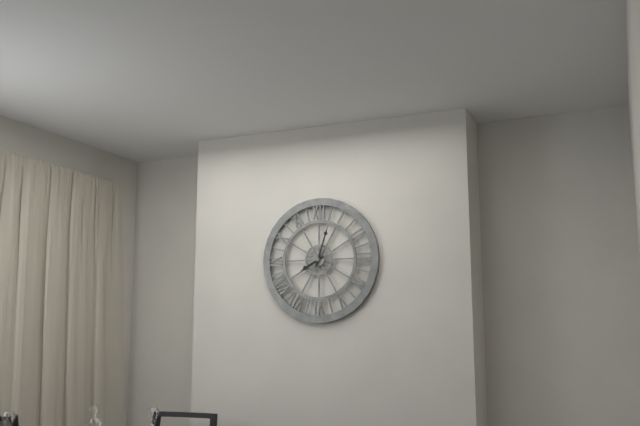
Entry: 8h03
